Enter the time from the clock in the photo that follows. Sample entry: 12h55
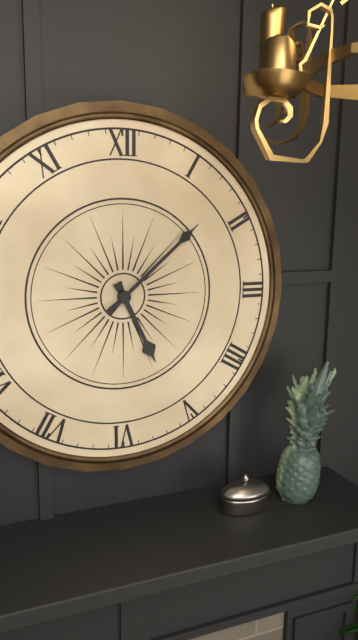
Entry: 5h08
